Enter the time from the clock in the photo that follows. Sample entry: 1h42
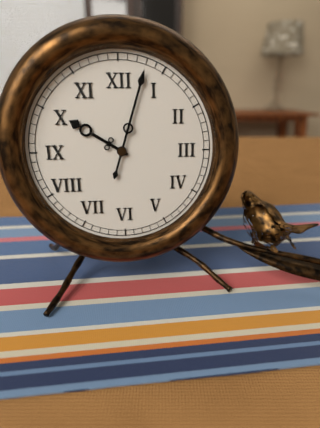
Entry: 10h03
